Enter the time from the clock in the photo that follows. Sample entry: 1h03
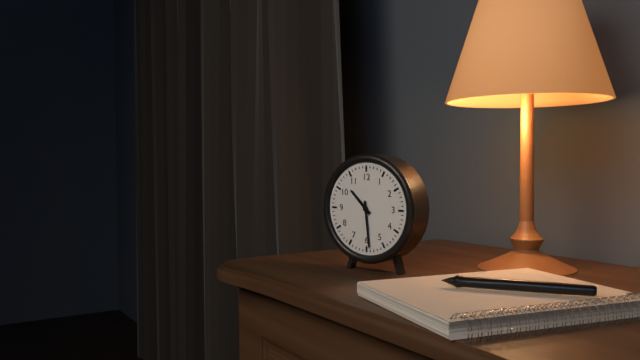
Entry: 10h29
